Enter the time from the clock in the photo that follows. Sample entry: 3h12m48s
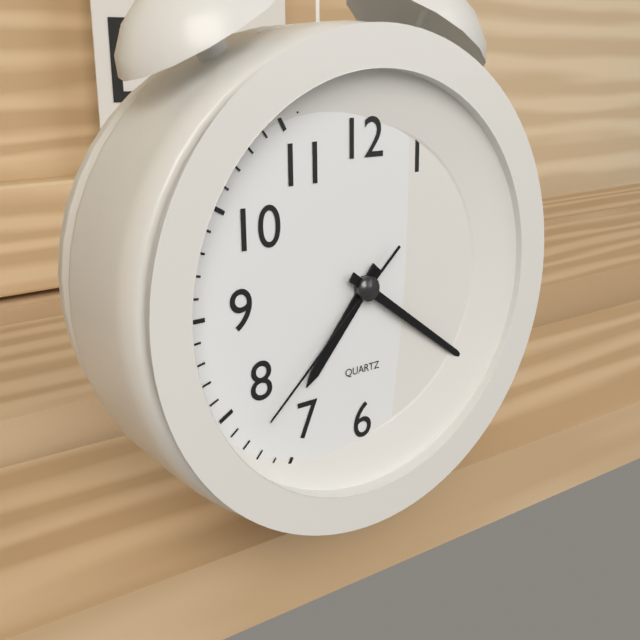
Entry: 7h21m38s
